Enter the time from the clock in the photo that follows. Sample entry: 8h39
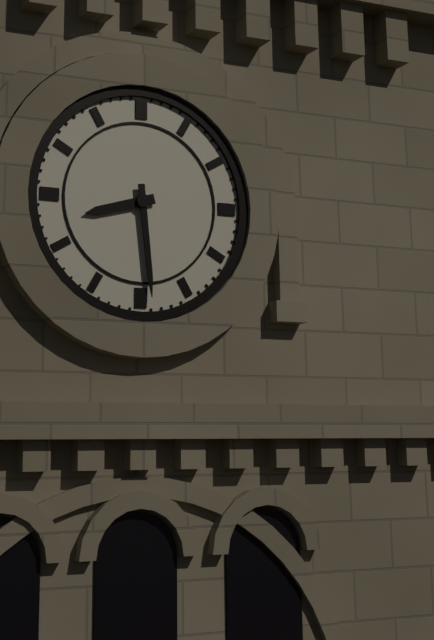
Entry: 8h29
